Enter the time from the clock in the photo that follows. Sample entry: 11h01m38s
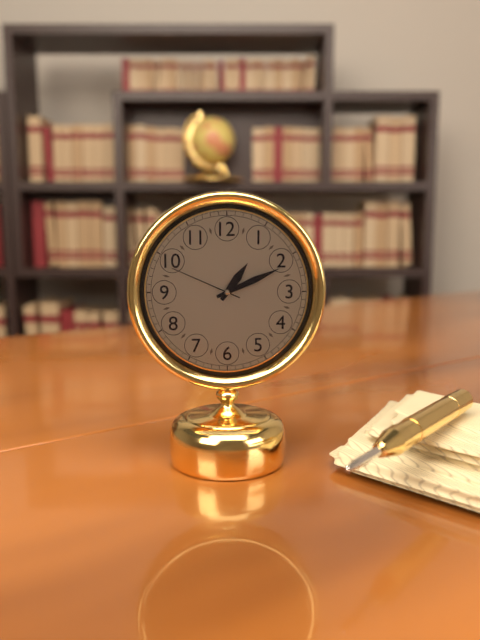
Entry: 1h11m49s
